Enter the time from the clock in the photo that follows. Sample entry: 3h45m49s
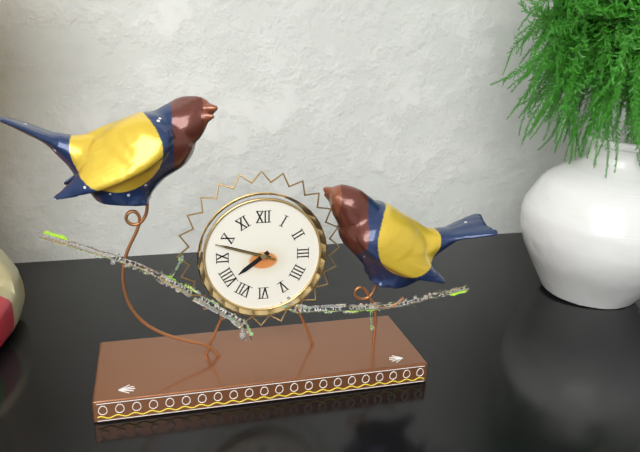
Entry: 7h48m48s
